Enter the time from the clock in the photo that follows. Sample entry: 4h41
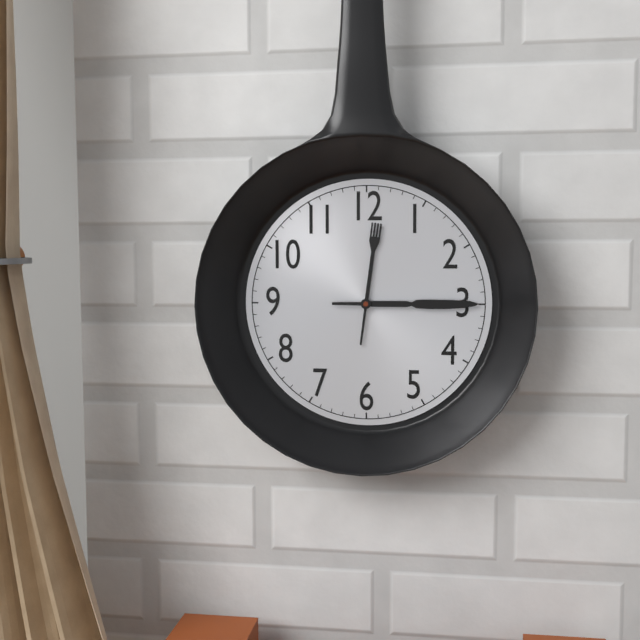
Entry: 12h15
